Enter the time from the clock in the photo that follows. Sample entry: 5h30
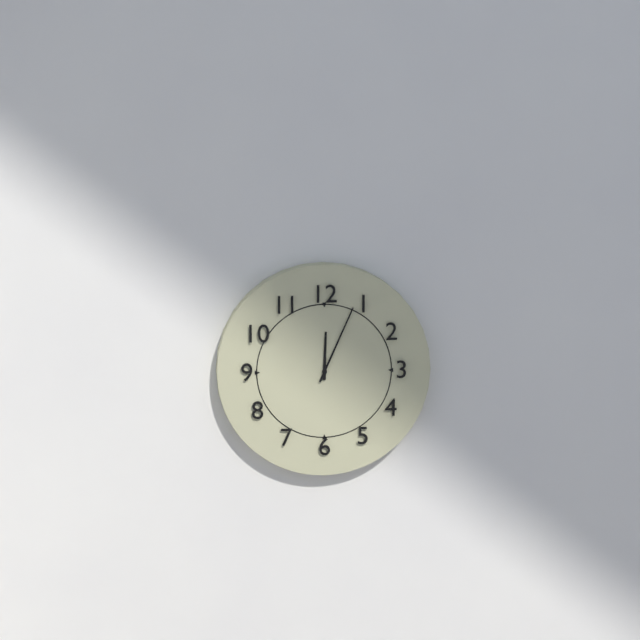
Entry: 12h04
